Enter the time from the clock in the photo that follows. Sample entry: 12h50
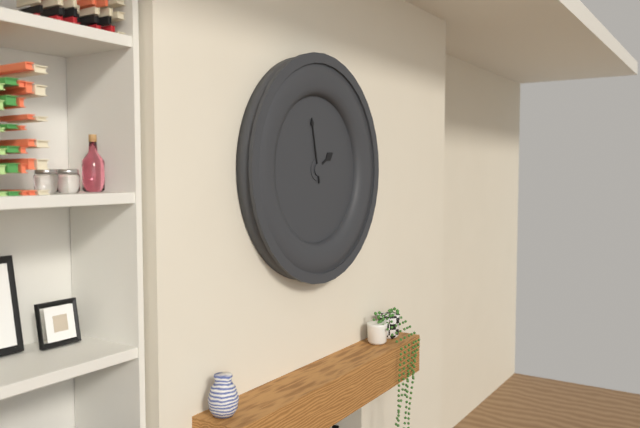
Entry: 1h58
